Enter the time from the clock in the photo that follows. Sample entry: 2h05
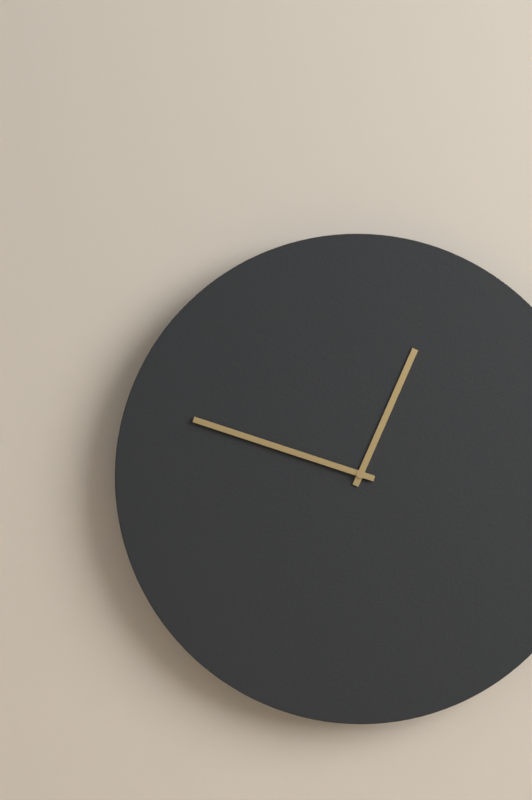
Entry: 12h48
